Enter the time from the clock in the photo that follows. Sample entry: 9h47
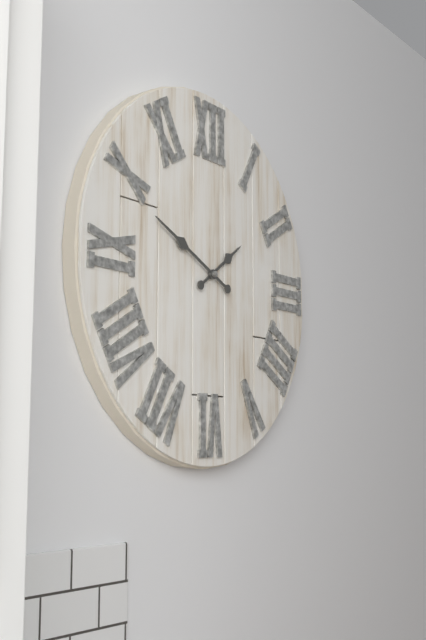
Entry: 1h49
